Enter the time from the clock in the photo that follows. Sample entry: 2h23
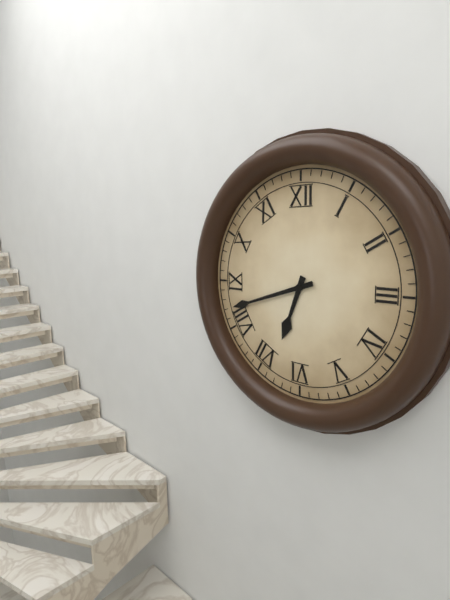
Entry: 6h42
